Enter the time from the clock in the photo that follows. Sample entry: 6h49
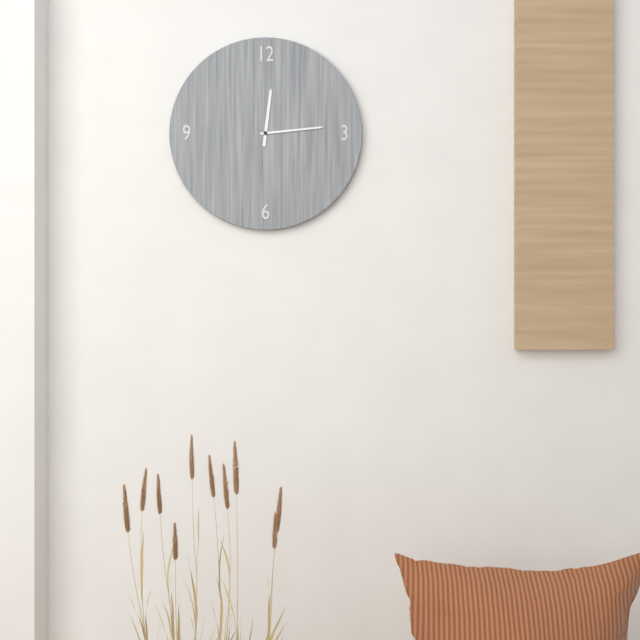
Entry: 12h14
